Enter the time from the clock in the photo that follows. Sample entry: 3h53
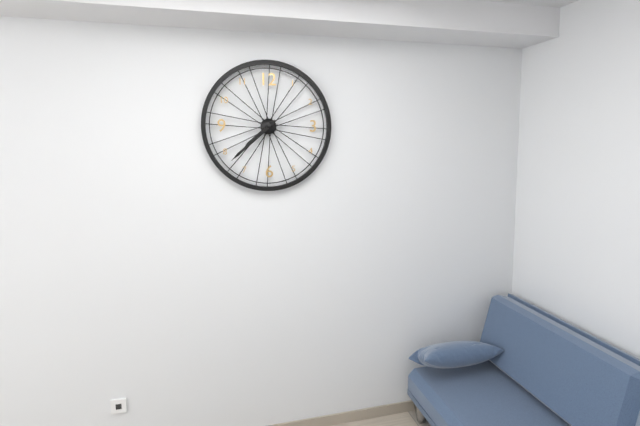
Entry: 7h38
